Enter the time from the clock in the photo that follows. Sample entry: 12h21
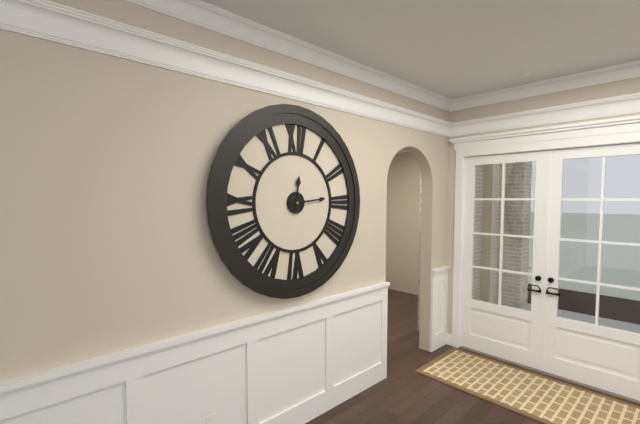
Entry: 12h14
